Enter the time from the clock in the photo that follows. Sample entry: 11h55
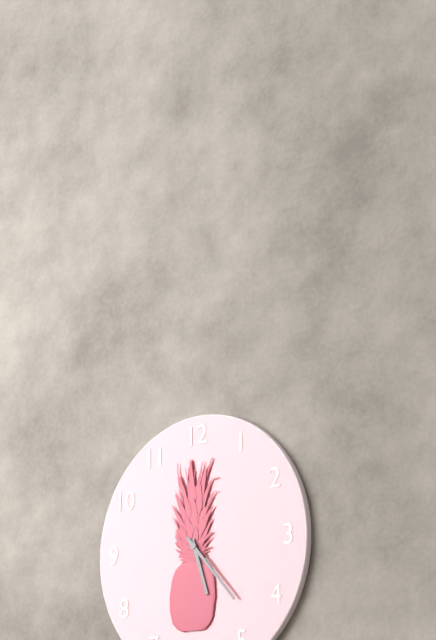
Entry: 5h23
